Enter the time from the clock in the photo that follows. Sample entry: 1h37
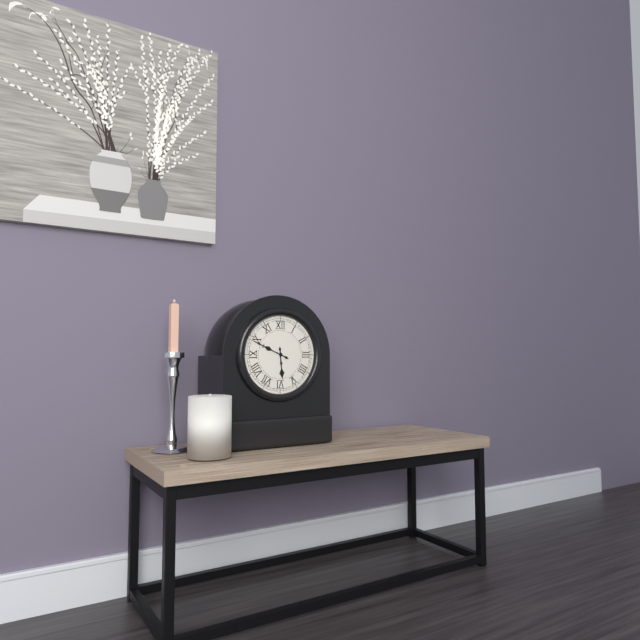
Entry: 5h49
